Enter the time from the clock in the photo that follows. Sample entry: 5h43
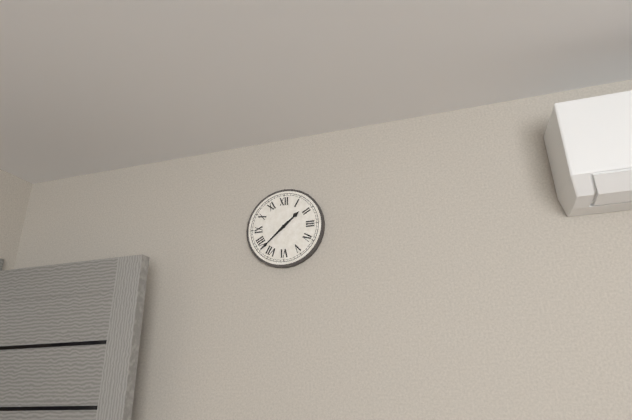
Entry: 1h38
